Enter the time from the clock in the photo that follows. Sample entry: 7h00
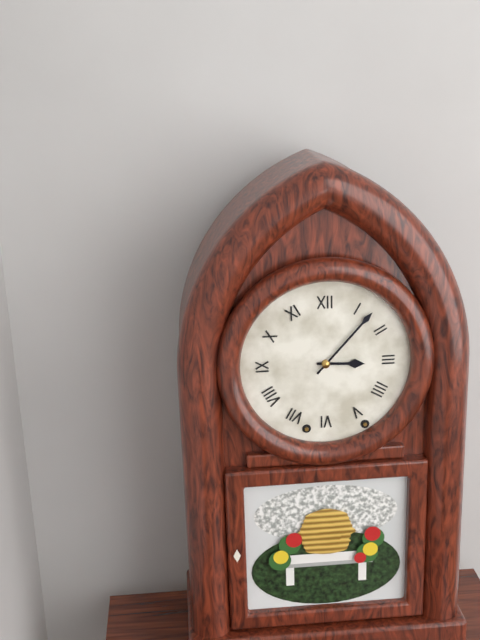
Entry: 3h07
